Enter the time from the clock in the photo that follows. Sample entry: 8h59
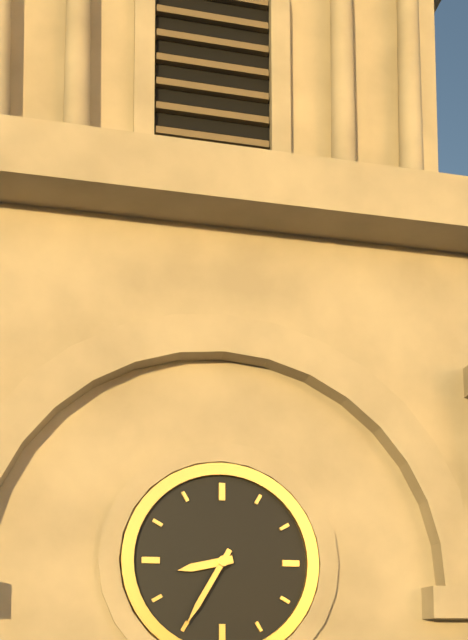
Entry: 8h35
